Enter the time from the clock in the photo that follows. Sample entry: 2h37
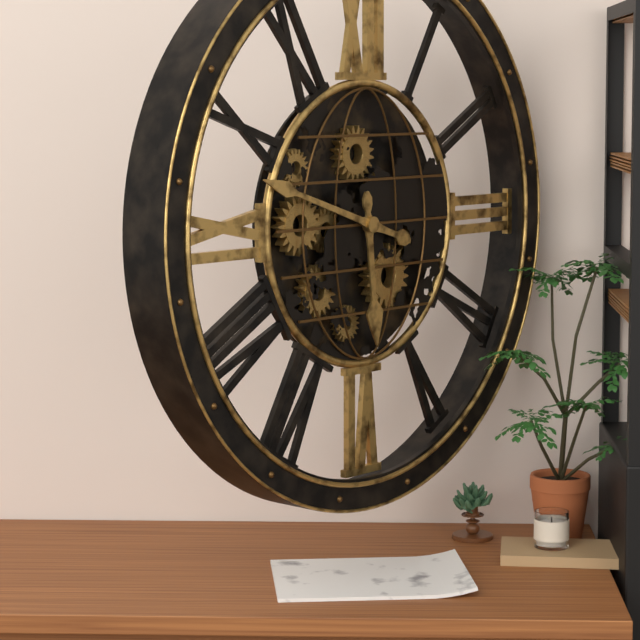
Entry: 5h48
